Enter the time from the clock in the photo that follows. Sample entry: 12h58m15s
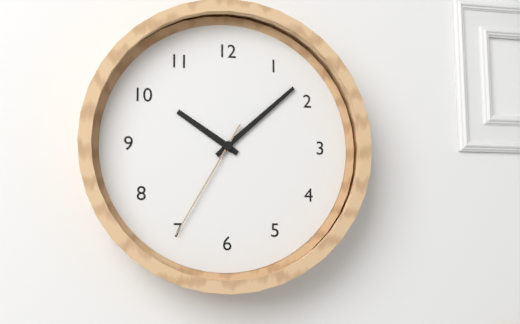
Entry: 10h08m35s
